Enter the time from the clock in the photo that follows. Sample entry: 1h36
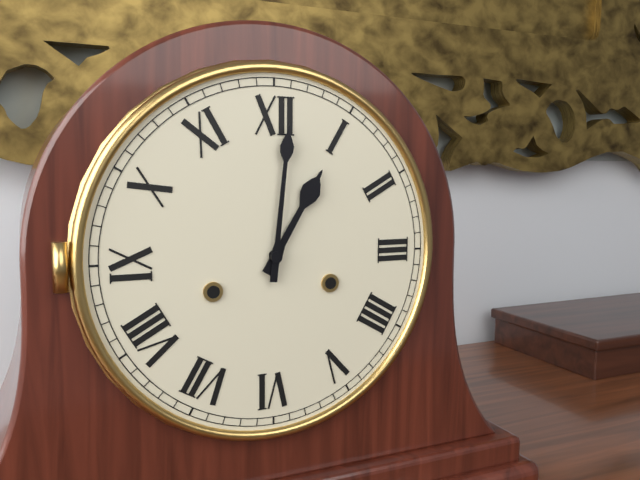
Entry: 1h01
